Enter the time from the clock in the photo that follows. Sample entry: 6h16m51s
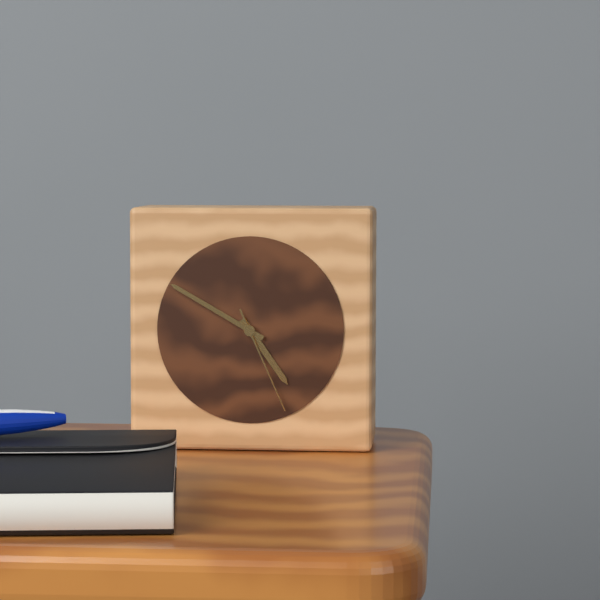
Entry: 4h50m26s
